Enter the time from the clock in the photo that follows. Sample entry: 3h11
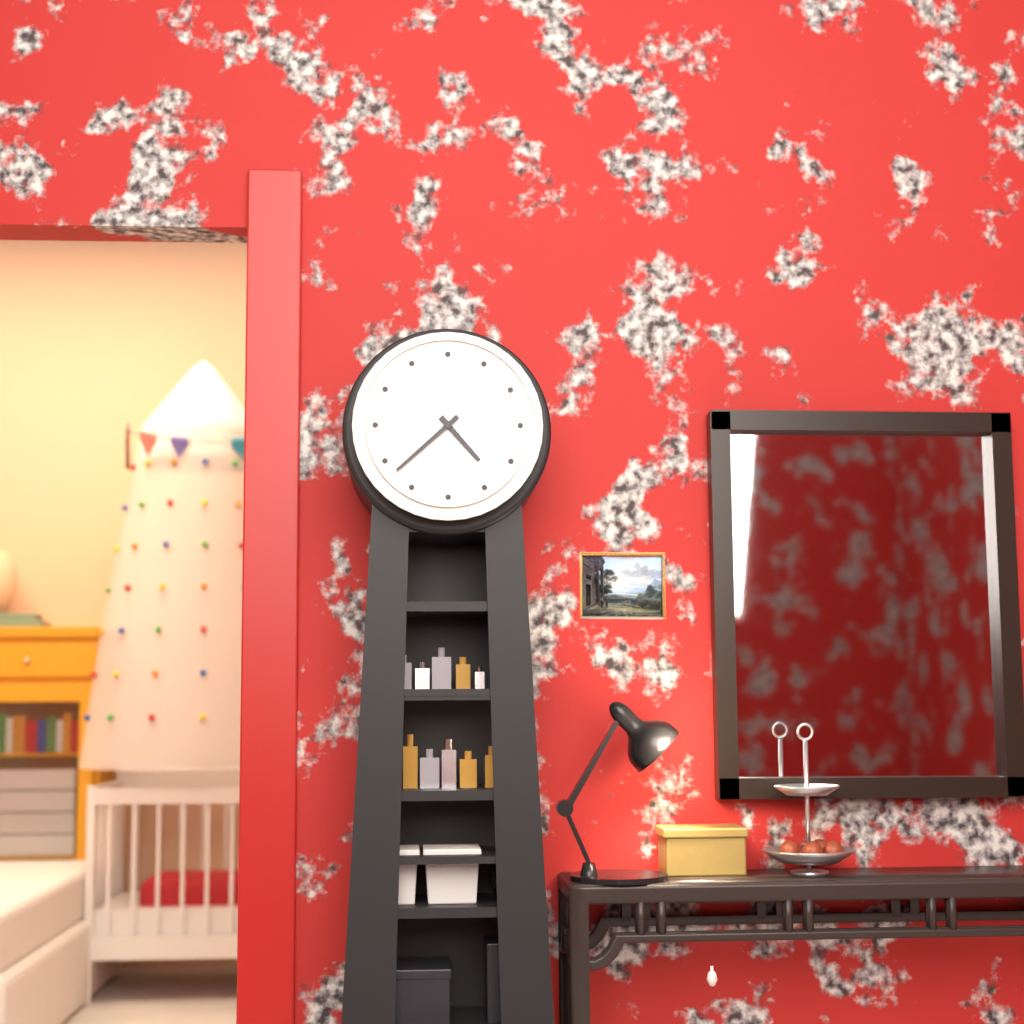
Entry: 4h38
